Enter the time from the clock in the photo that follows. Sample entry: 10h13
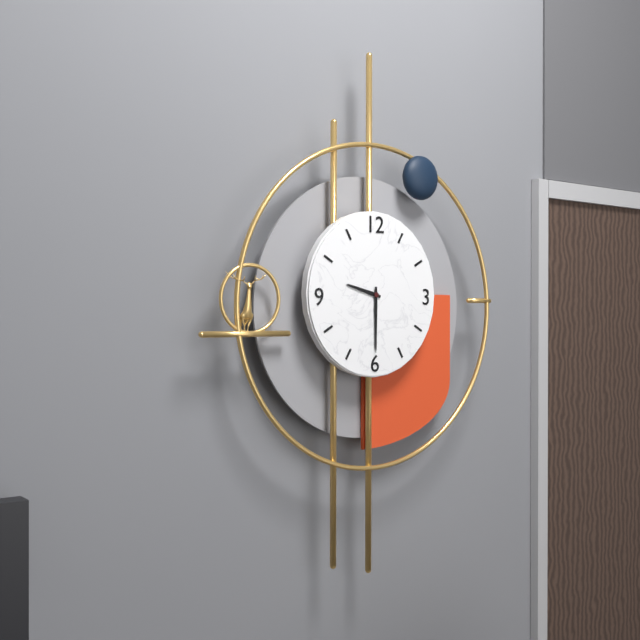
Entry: 9h30
